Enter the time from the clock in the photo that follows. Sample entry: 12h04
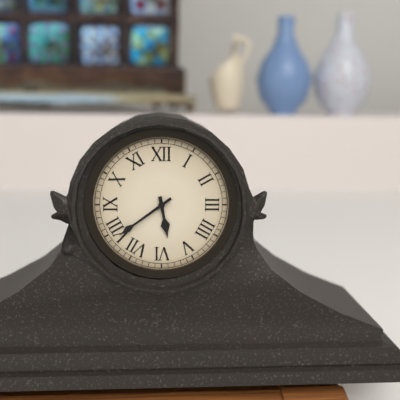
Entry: 5h39
